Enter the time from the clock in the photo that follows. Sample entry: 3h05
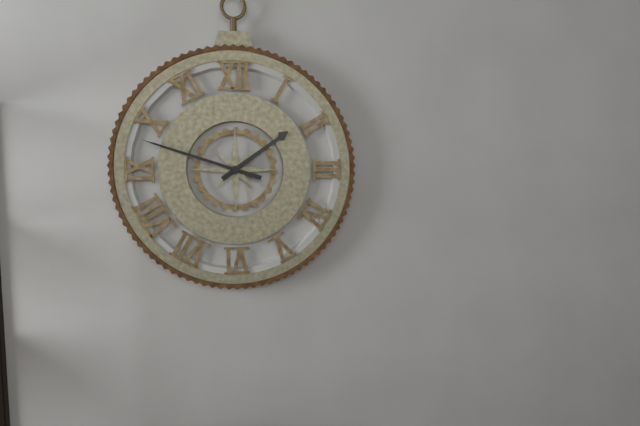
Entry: 1h48
